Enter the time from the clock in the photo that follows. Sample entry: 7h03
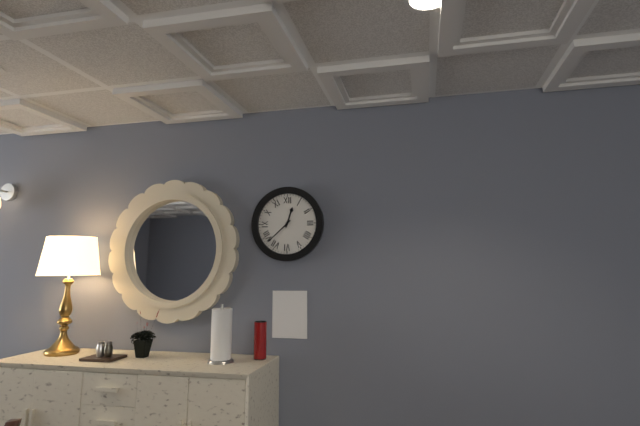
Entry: 12h38
